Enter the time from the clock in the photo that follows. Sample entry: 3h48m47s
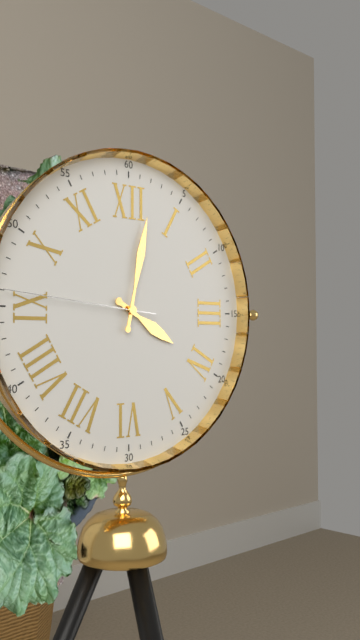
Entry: 4h02m46s
